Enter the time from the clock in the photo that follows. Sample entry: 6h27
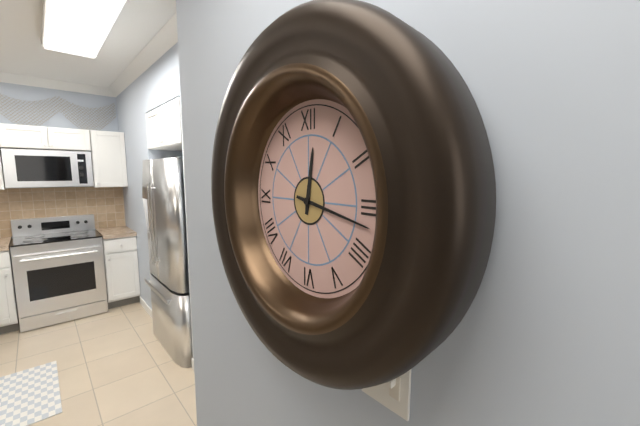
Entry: 12h17
